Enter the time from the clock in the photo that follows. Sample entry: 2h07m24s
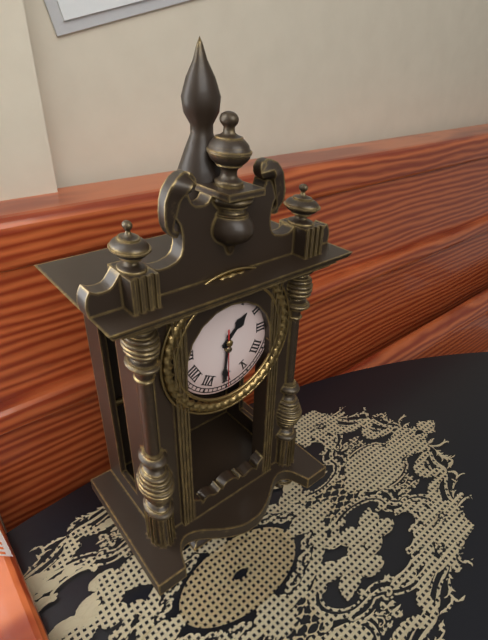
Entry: 1h31m30s
